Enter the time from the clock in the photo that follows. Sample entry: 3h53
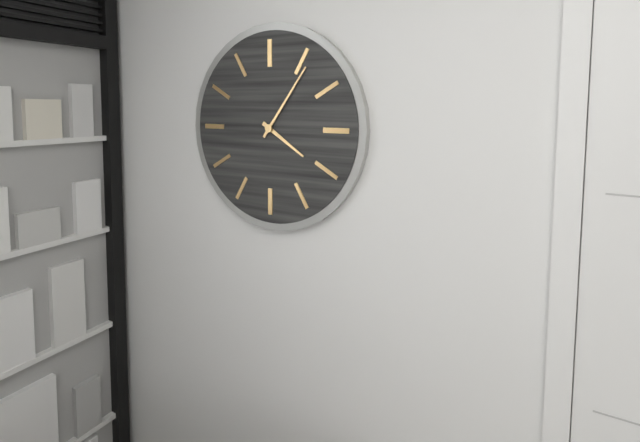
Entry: 4h06
